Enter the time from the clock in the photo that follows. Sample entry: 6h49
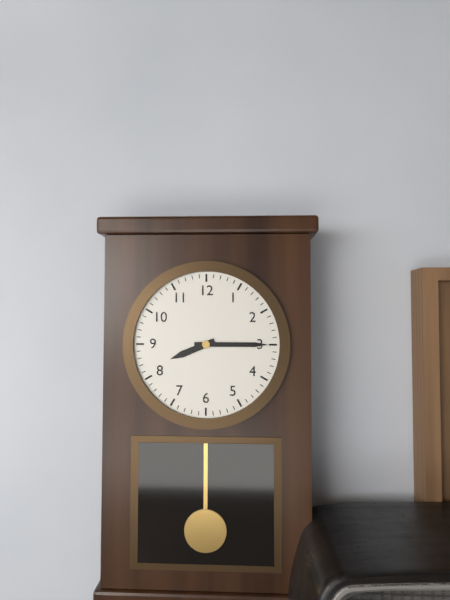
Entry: 8h15
